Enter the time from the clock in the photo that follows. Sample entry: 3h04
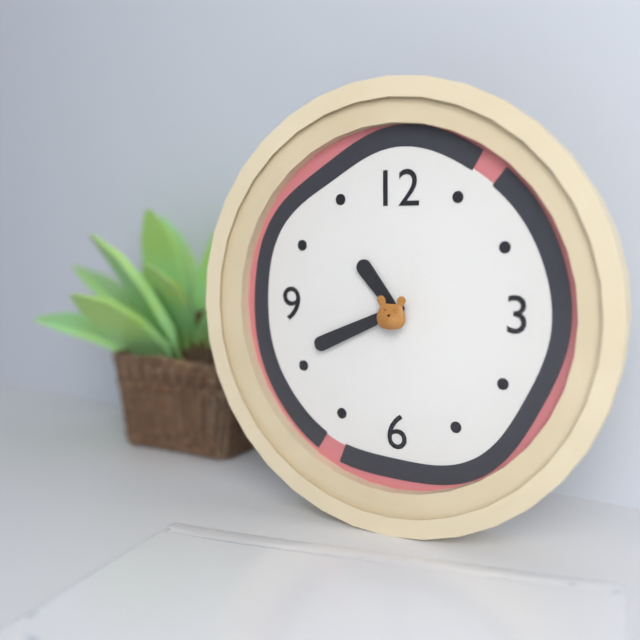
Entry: 10h41
